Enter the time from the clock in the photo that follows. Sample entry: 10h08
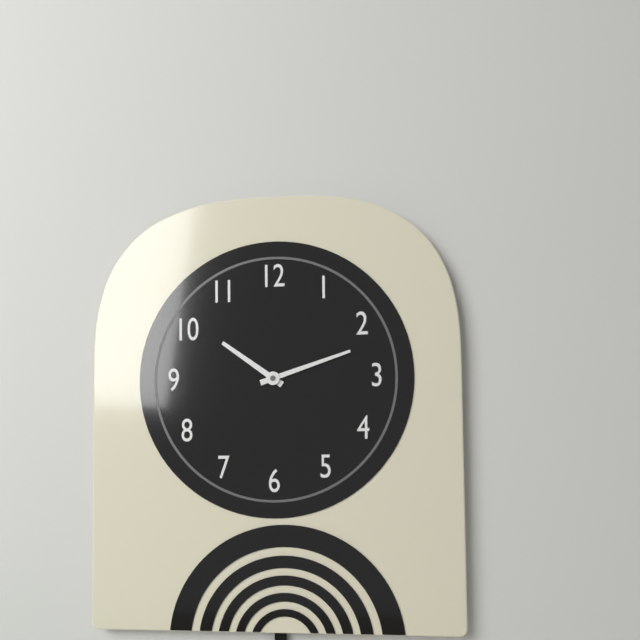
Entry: 10h12
